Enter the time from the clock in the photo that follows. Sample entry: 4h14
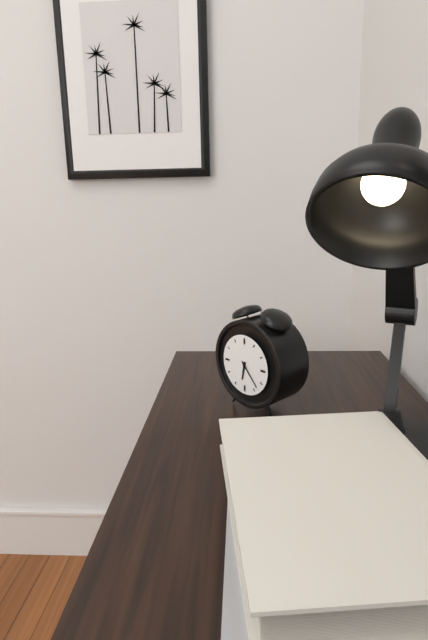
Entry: 6h23
